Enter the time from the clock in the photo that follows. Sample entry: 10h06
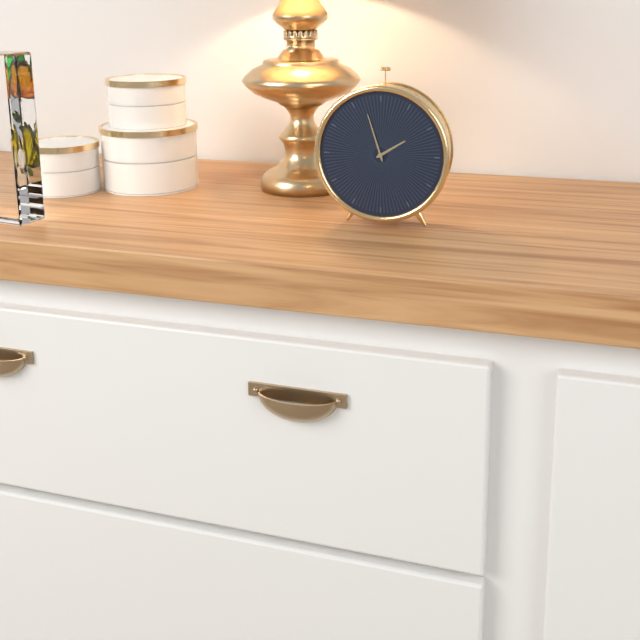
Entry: 1h57
